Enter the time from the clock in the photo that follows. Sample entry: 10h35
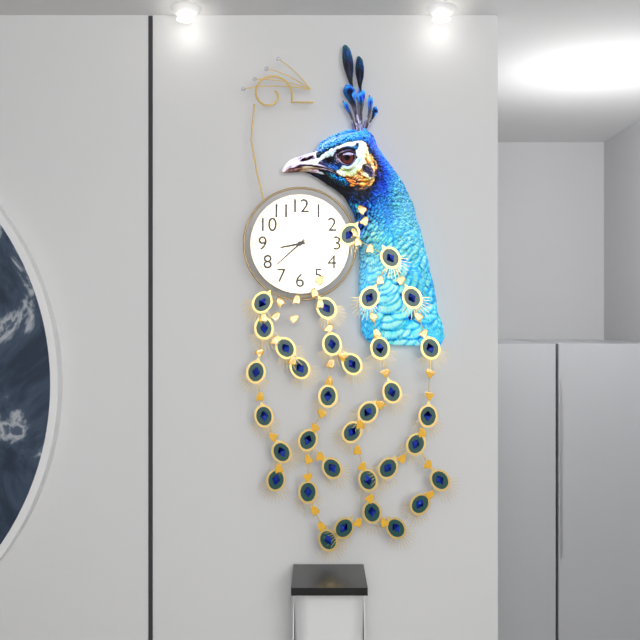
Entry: 8h38
